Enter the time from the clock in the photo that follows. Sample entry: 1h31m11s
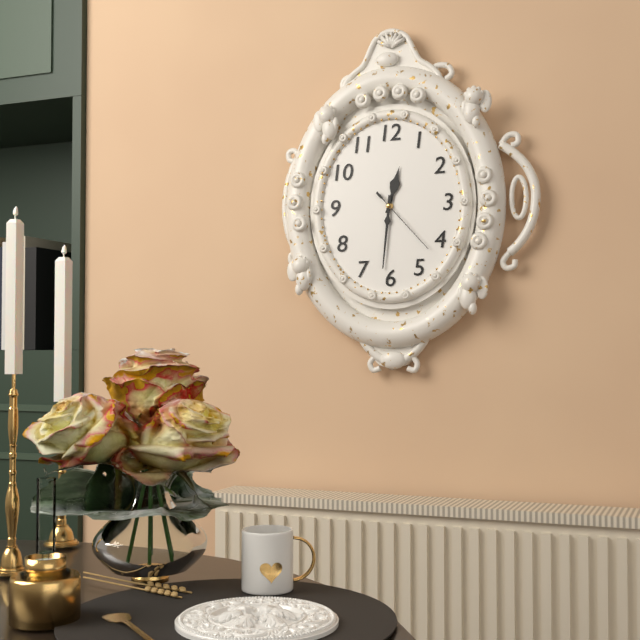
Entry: 12h31m23s
